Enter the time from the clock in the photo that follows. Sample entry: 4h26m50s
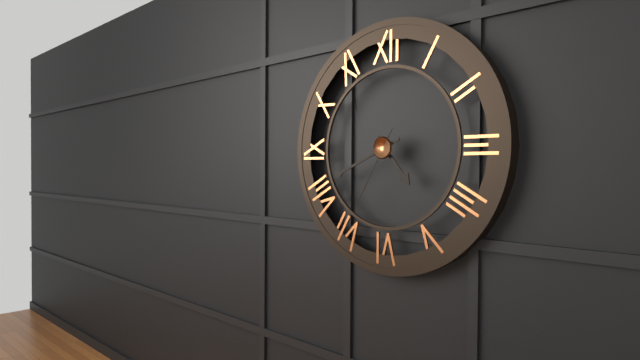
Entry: 4h41m35s
